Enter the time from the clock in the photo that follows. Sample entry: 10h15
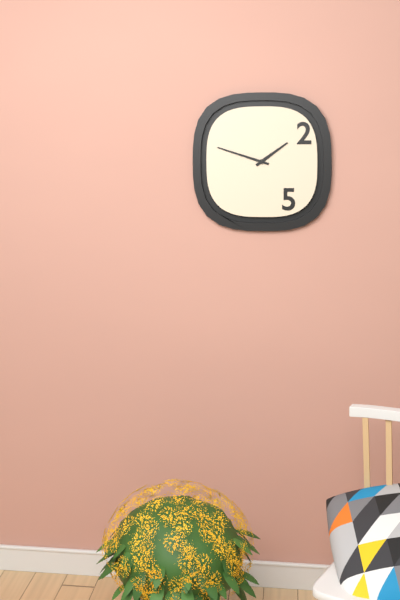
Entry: 1h48
